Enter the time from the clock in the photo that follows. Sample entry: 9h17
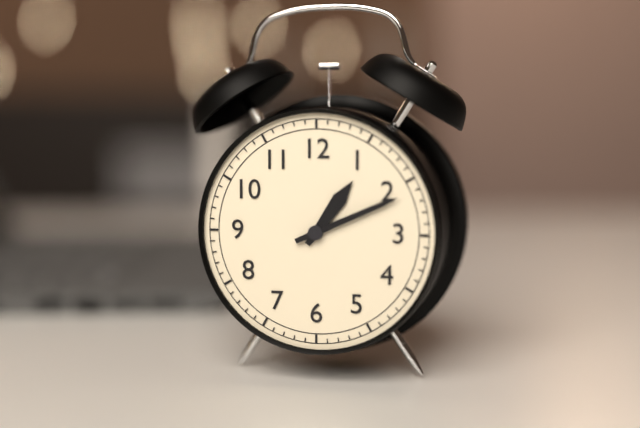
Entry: 1h11
